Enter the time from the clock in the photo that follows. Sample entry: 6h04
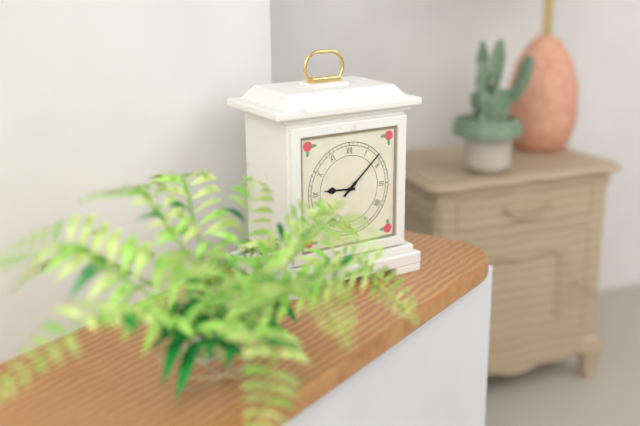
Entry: 9h08
